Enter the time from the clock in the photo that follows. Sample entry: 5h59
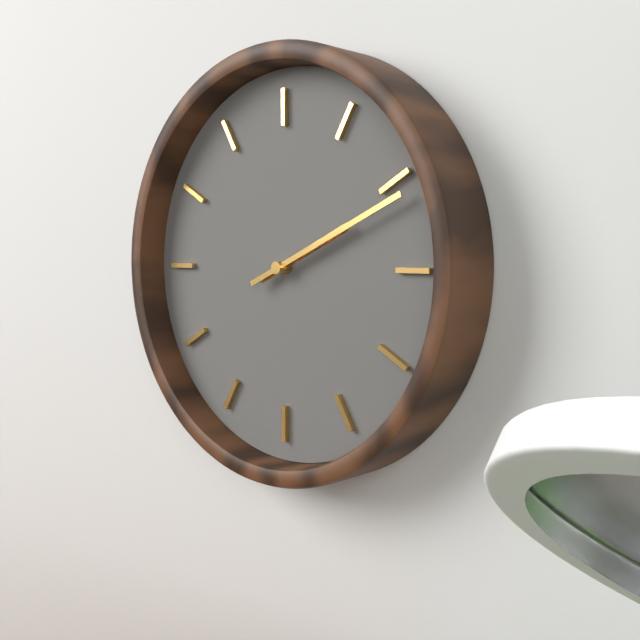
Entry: 2h11
